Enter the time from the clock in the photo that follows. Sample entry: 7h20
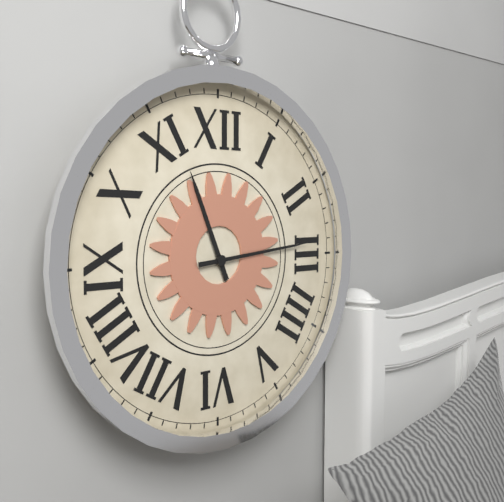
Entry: 11h14
